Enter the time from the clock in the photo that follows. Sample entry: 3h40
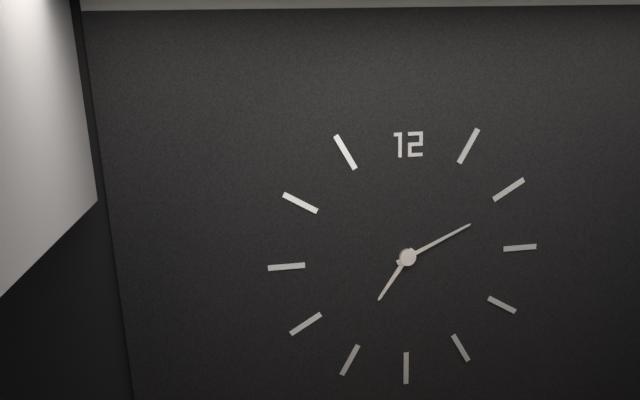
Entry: 7h11
